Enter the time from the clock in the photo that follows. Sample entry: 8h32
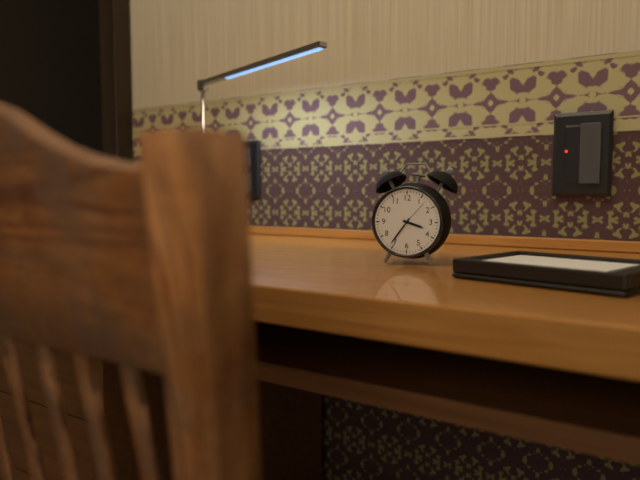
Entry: 3h36
